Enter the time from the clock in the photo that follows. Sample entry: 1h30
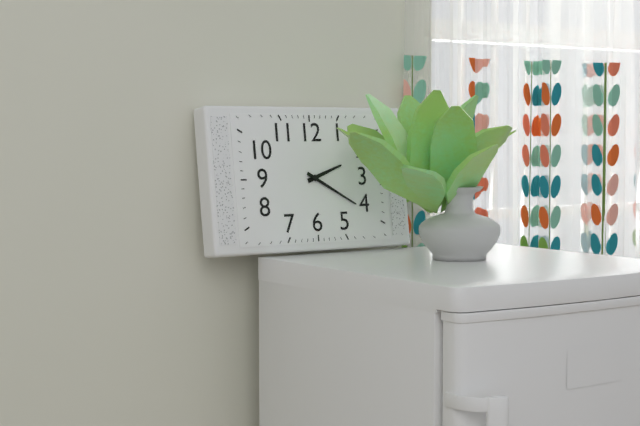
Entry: 2h20
